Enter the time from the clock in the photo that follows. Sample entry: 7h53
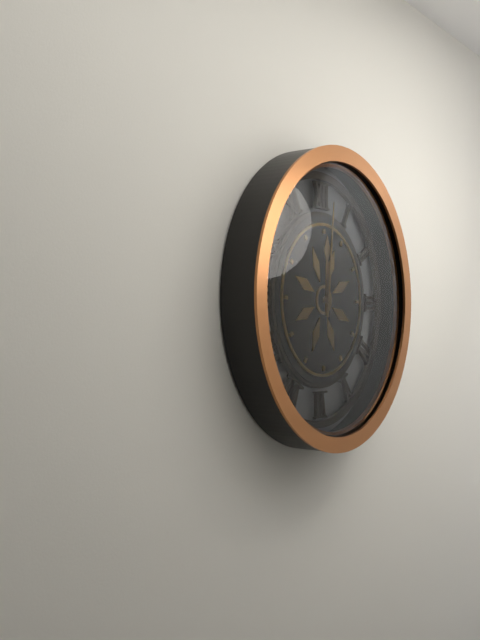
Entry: 12h01
